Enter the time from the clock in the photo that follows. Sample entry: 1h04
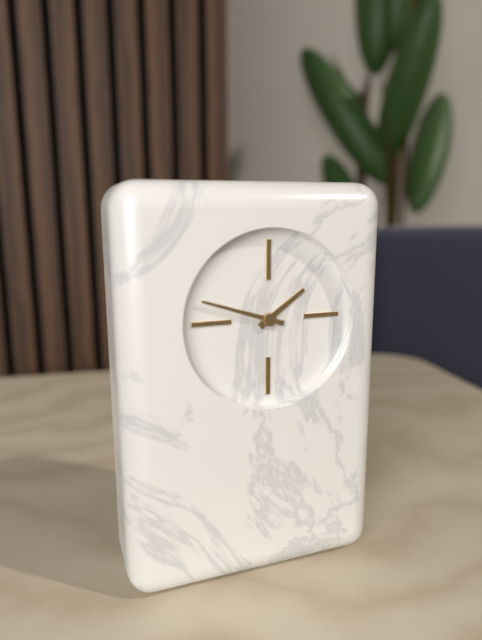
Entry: 1h48
